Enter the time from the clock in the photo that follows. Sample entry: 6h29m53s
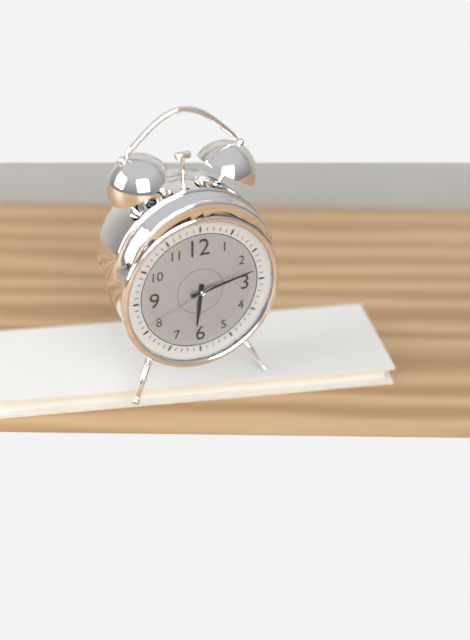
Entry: 6h13m41s
